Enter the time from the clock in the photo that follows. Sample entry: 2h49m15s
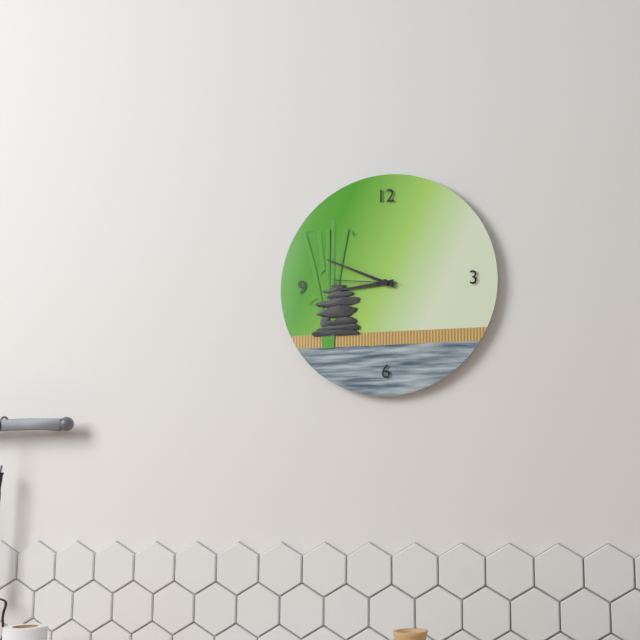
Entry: 8h49m46s
